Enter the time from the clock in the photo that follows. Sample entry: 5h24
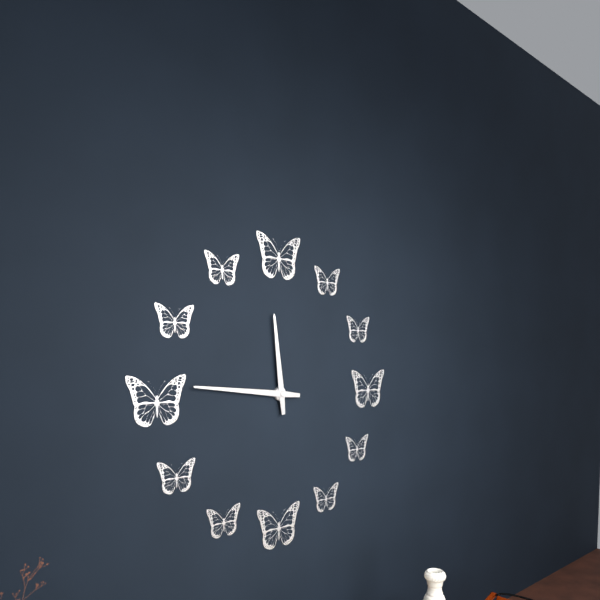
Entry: 11h46
